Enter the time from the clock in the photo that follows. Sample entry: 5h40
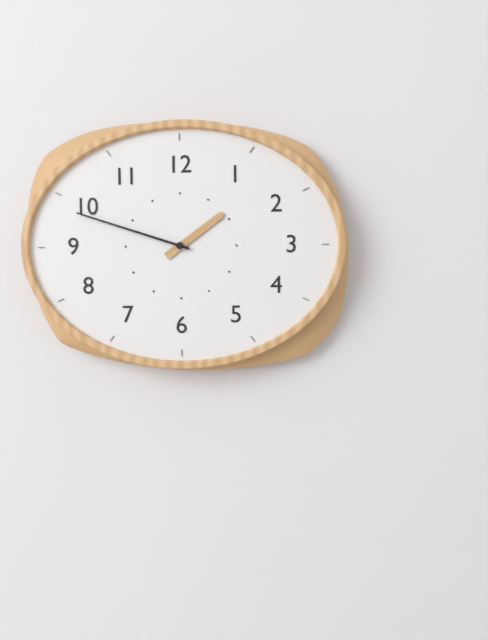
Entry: 1h48
